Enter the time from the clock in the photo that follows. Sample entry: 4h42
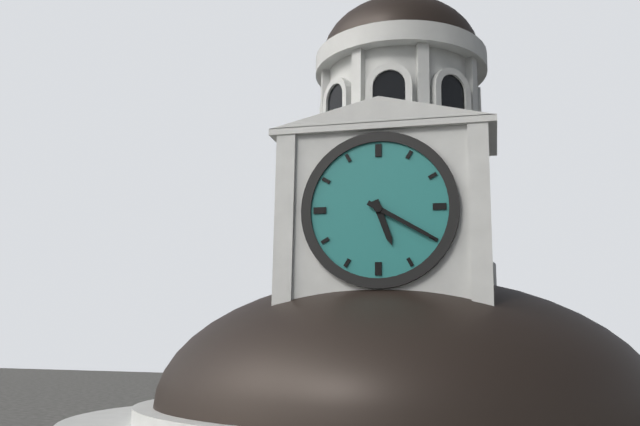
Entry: 5h20
